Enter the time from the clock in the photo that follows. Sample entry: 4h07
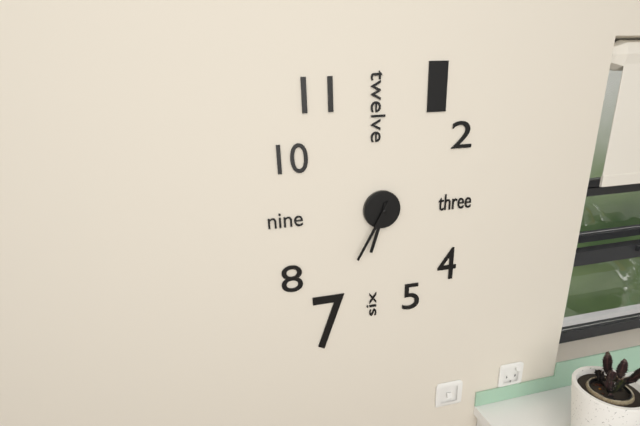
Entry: 6h35
